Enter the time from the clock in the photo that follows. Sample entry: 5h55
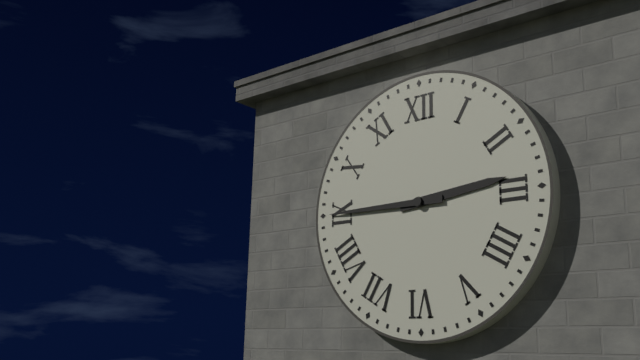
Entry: 2h45
